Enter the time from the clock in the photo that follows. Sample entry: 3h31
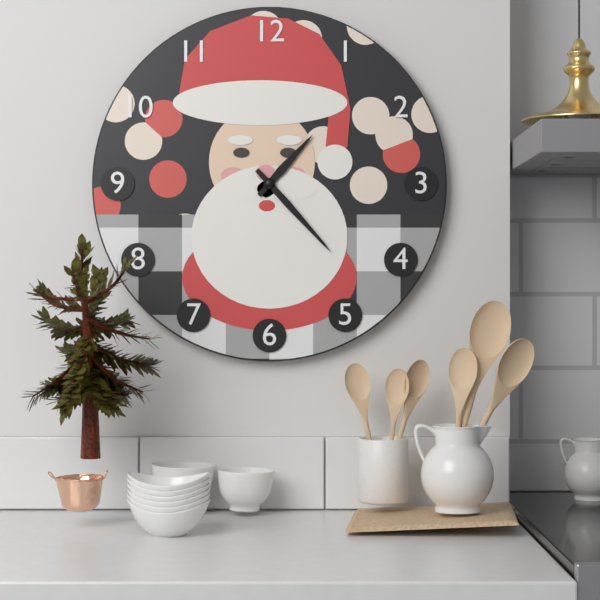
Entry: 1h23
